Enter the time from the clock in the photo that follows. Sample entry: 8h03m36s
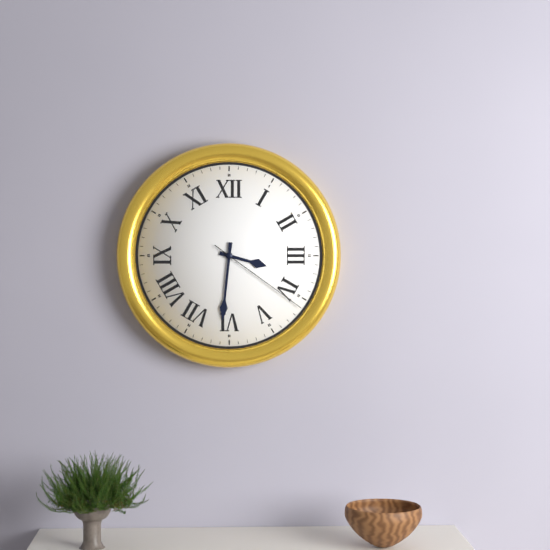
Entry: 3h31m21s
